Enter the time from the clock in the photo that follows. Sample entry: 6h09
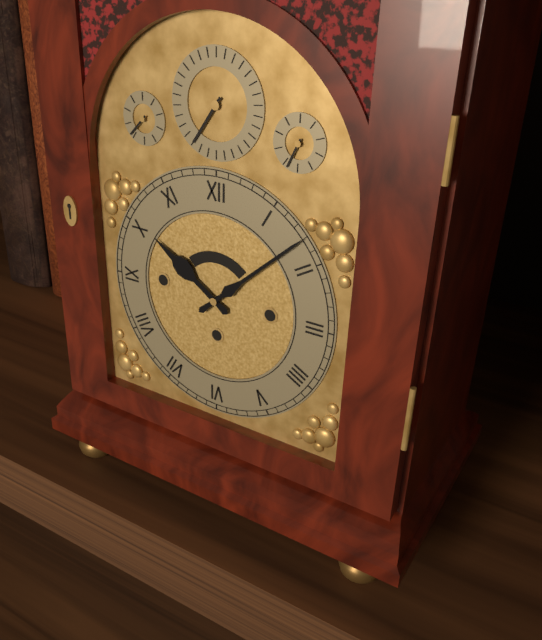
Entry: 10h08
